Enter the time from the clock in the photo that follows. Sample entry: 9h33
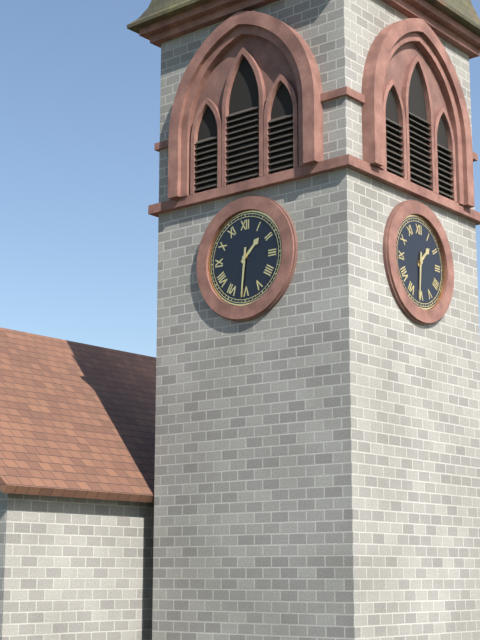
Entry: 1h31
